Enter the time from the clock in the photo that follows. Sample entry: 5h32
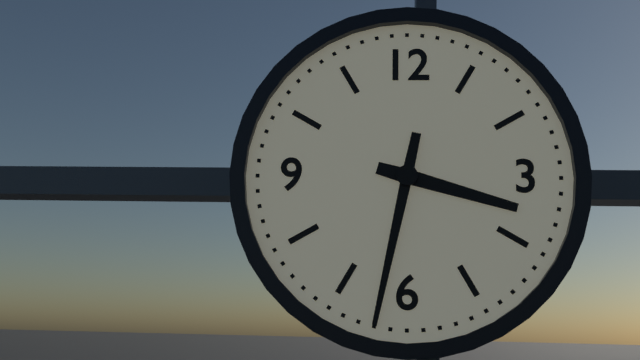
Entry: 3h32
